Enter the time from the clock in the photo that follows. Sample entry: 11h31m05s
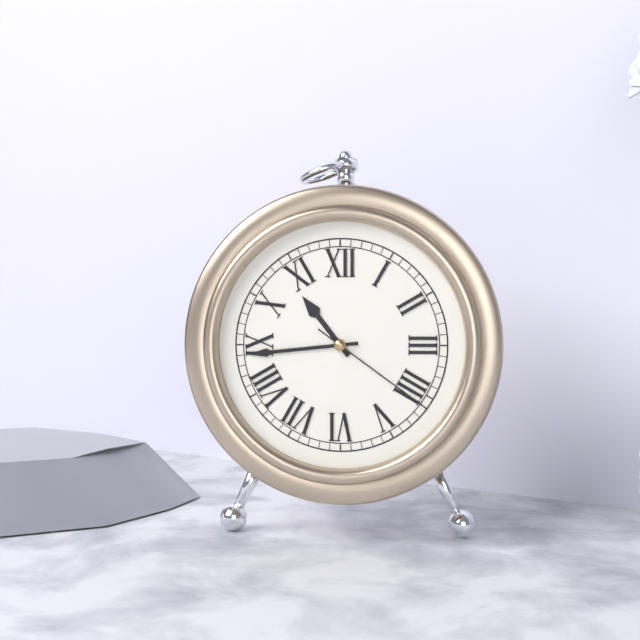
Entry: 10h44m21s
